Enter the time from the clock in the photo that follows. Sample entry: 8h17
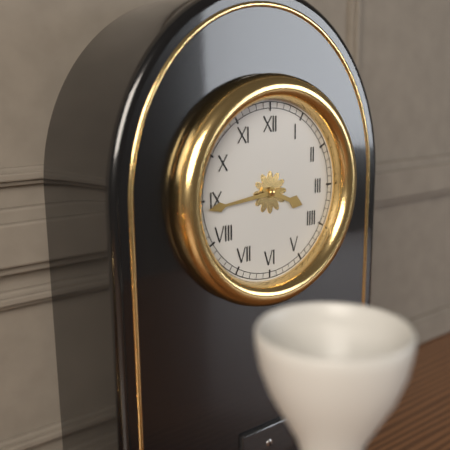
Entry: 3h44
